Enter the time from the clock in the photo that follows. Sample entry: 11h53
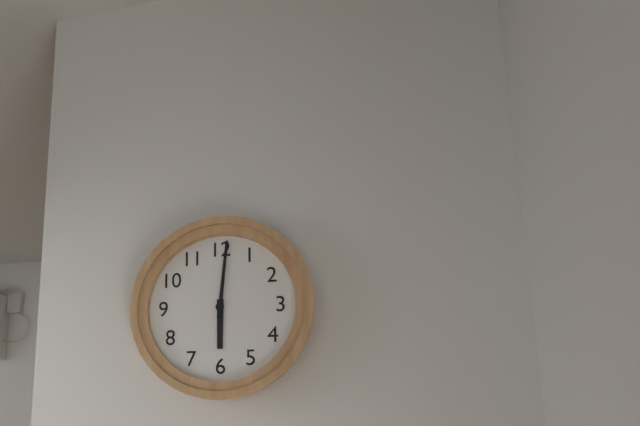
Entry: 6h01
